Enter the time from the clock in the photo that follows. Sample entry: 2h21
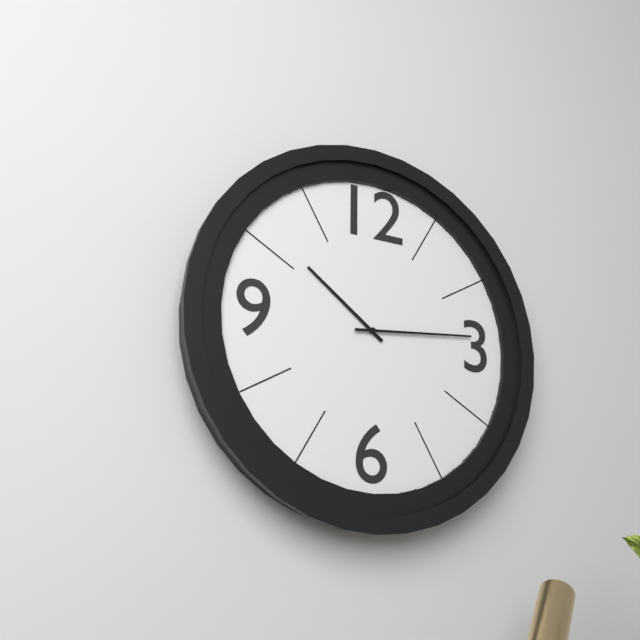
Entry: 10h14
